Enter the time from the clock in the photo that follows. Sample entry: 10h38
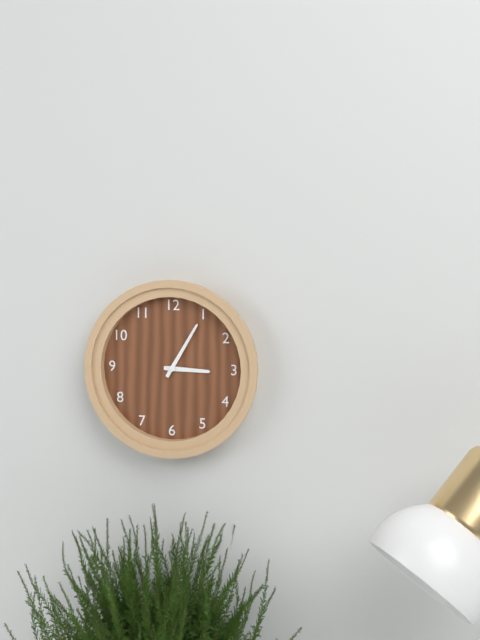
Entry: 3h05
